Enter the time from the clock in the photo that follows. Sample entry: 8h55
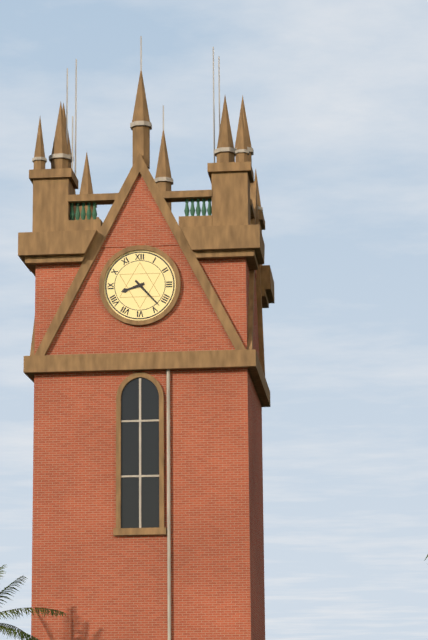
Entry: 8h23
